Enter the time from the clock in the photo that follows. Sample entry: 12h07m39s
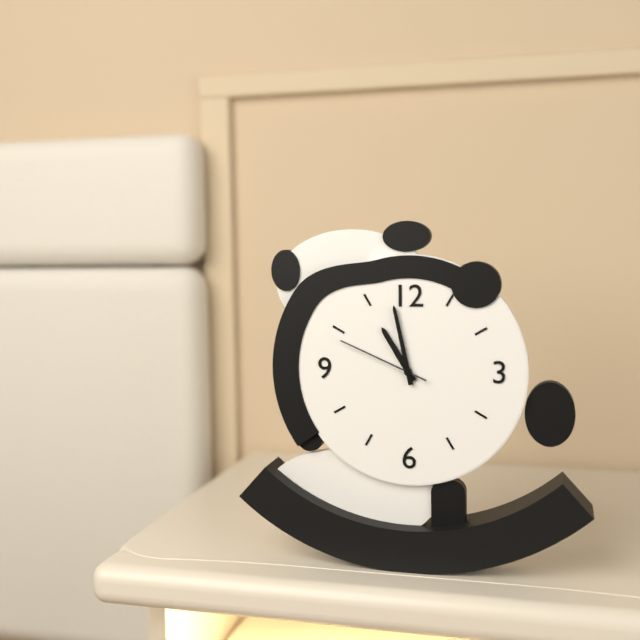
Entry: 10h58m49s
